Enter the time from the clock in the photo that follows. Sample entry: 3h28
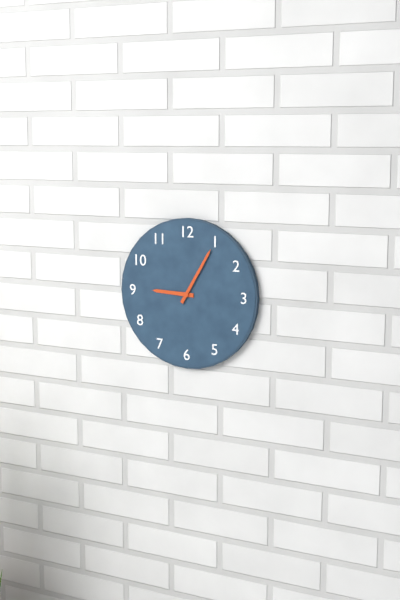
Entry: 9h05
